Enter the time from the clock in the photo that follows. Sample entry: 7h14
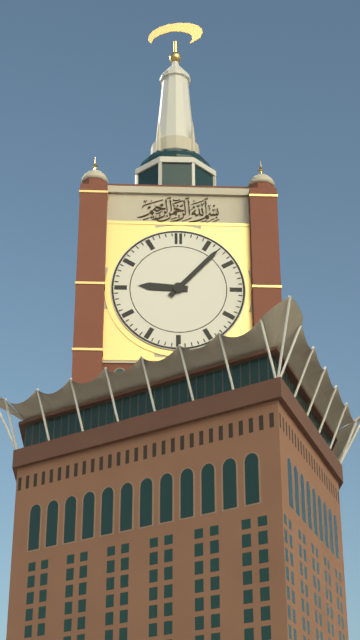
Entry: 9h07
